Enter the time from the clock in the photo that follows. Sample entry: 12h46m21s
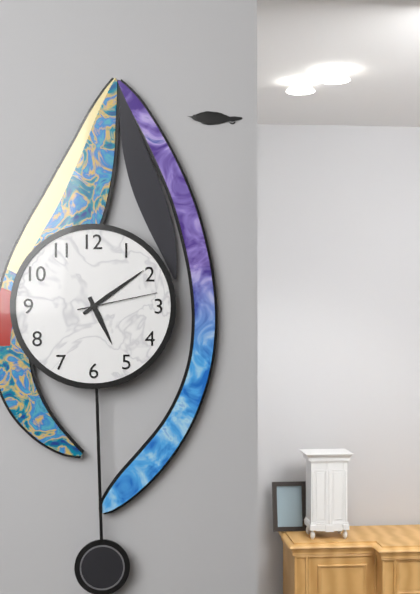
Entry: 5h09m13s
